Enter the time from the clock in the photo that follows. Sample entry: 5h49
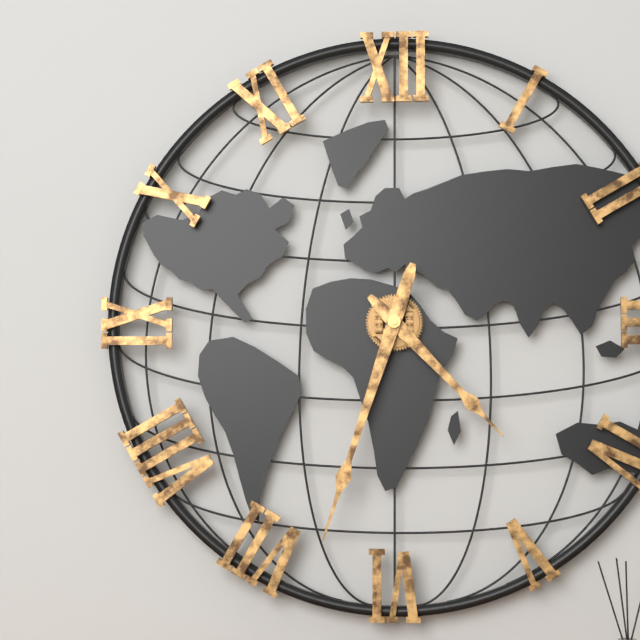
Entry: 4h33
